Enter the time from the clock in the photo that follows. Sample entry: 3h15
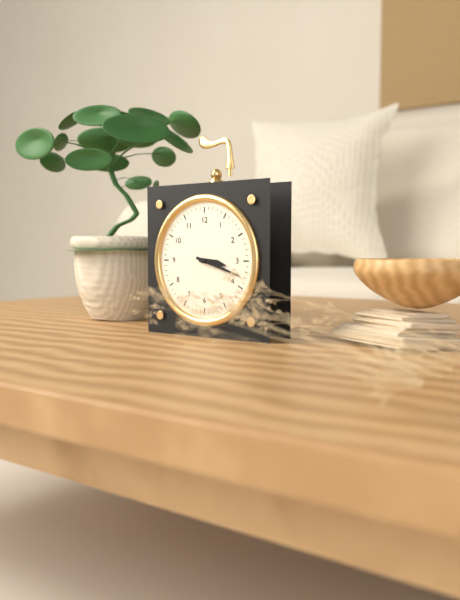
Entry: 3h18
